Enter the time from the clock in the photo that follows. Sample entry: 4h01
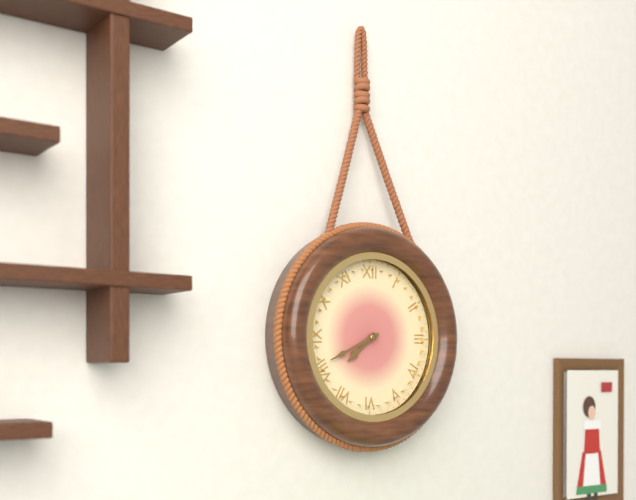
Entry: 7h41
